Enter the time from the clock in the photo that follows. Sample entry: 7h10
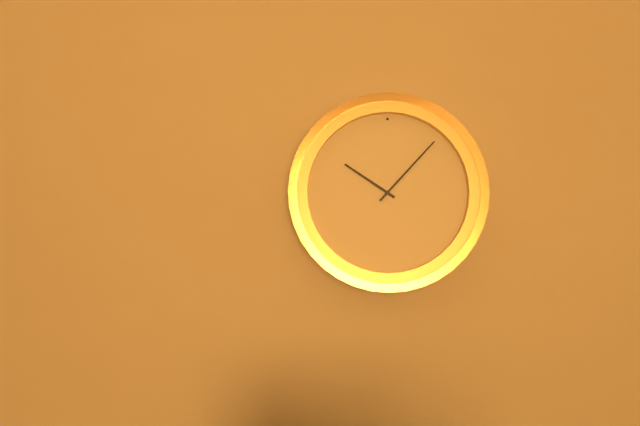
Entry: 10h07
